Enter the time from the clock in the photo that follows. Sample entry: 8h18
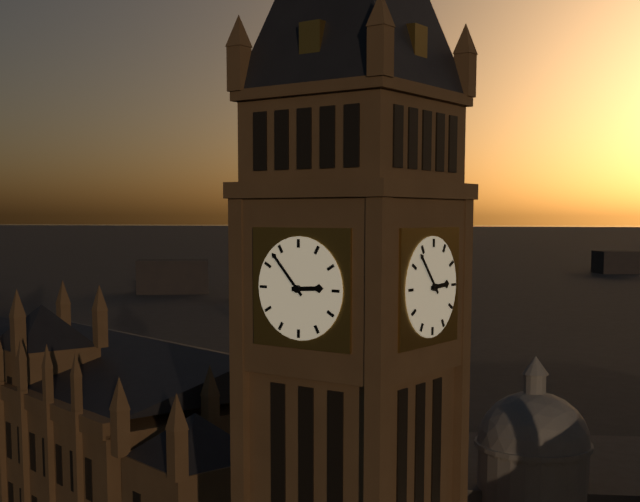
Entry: 2h53
